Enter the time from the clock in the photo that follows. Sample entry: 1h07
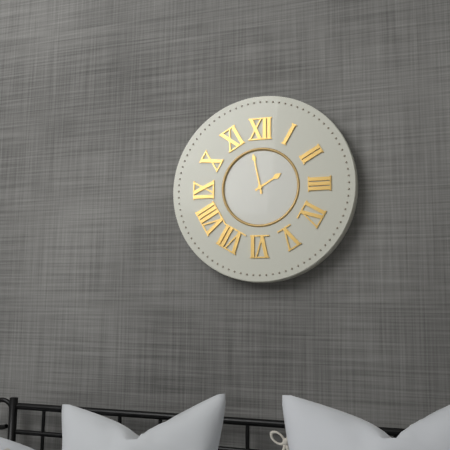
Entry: 1h58
